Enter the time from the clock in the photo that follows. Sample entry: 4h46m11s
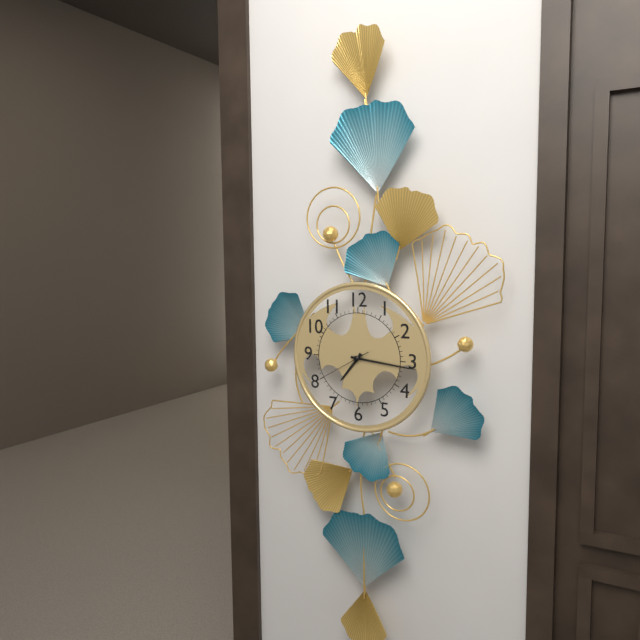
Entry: 7h16m40s
